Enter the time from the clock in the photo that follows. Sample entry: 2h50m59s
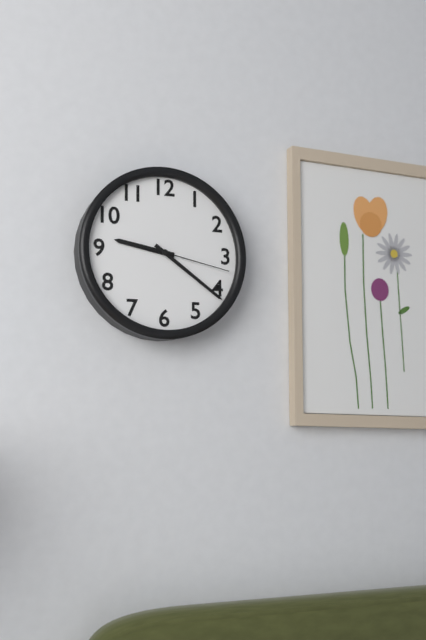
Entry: 9h21m17s
